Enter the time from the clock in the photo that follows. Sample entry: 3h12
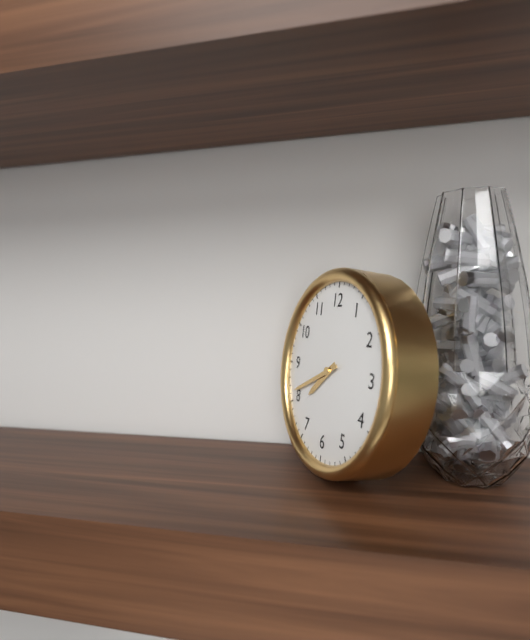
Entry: 7h41
